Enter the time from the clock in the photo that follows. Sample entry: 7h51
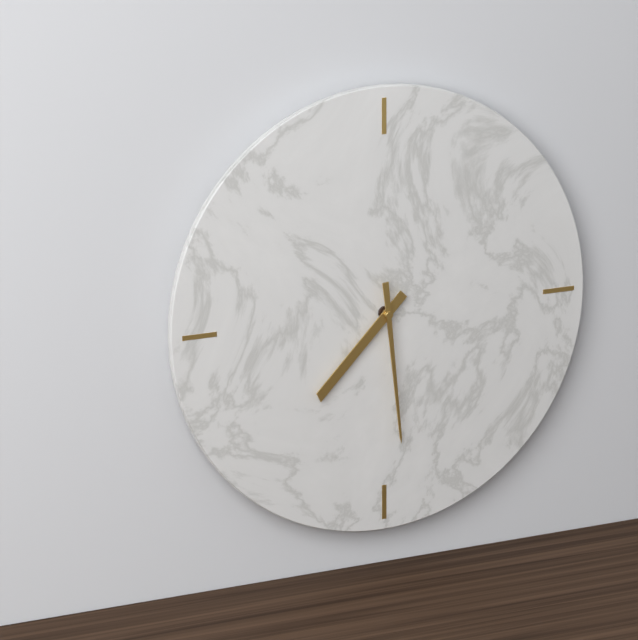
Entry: 7h29
